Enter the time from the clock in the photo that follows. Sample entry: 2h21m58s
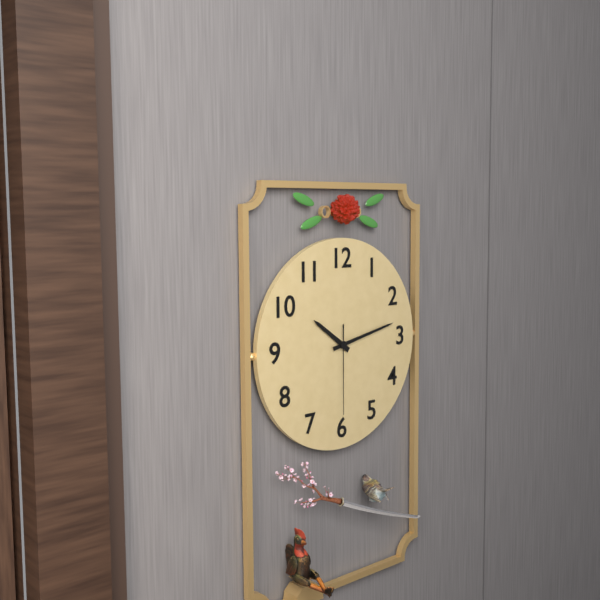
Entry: 10h13m30s
